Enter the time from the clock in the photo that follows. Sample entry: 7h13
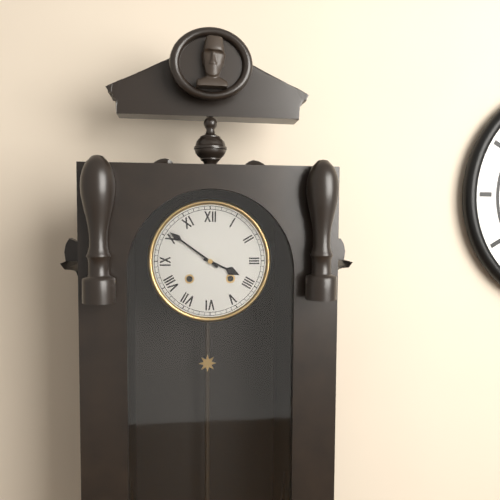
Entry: 3h51
